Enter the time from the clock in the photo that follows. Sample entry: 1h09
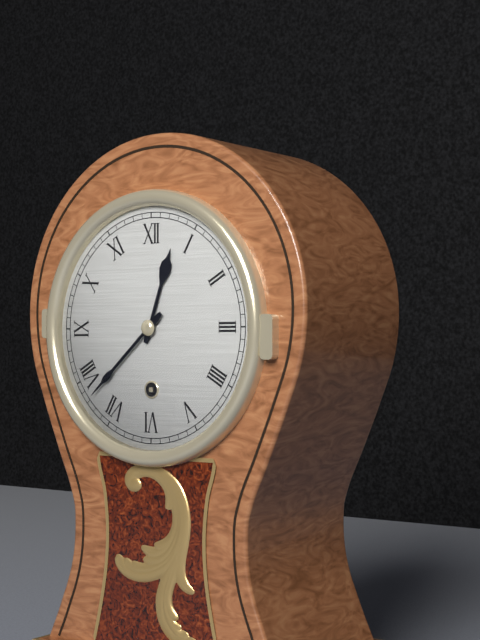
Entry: 12h38
